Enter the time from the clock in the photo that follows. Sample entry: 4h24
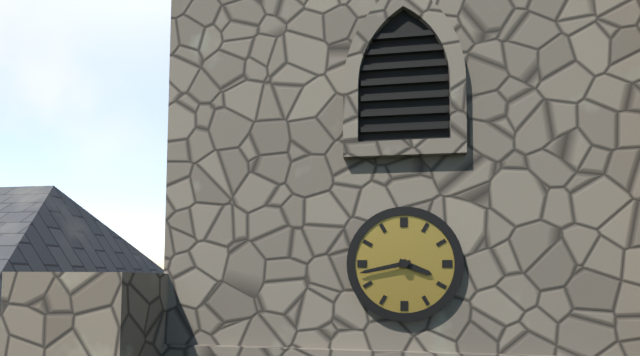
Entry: 3h43
